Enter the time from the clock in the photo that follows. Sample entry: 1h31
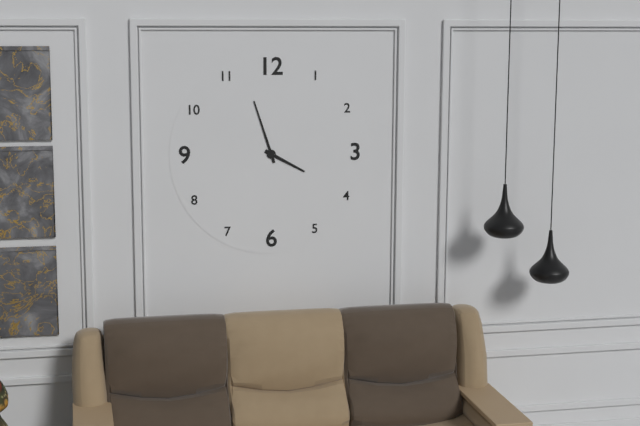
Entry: 3h57
